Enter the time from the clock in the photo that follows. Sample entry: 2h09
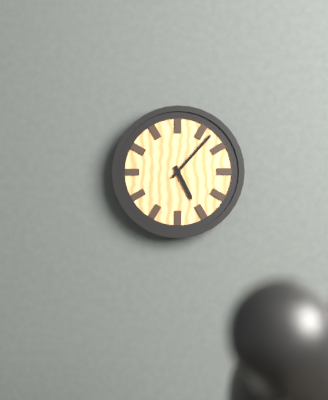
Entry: 5h07
